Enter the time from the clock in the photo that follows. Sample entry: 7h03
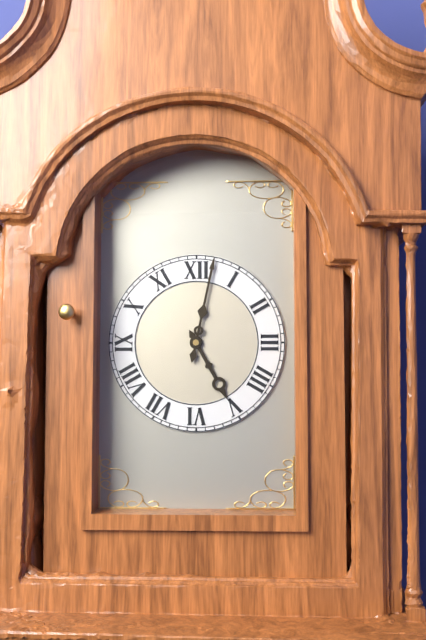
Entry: 5h02
